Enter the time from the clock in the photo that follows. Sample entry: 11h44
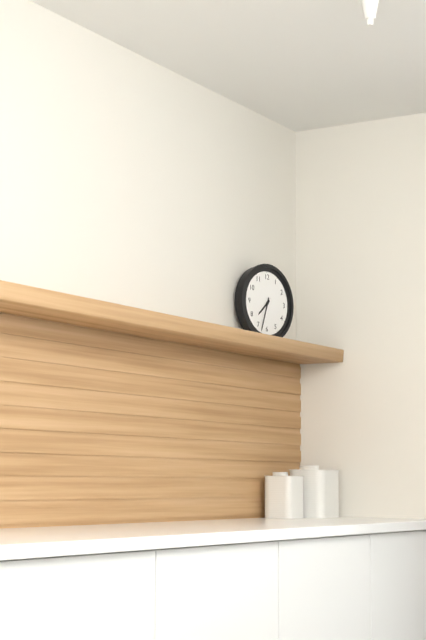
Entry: 7h33
